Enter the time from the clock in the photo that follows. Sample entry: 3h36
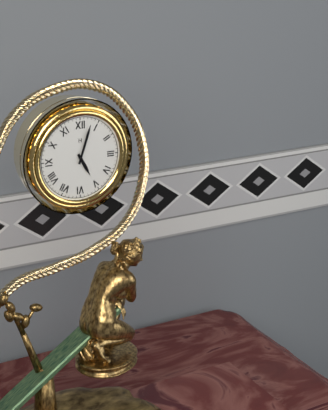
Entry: 5h03
